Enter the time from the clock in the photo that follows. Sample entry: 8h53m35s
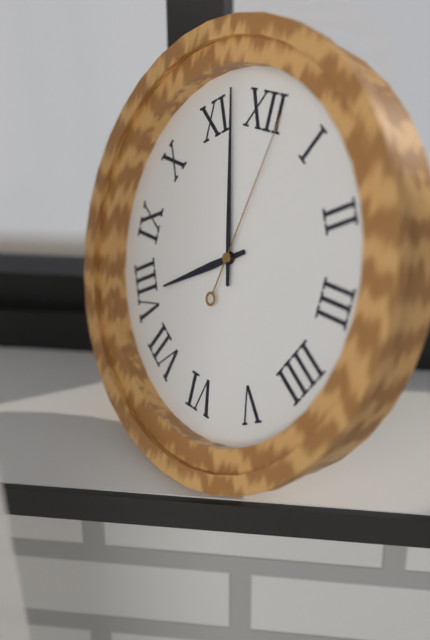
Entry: 7h57m02s
